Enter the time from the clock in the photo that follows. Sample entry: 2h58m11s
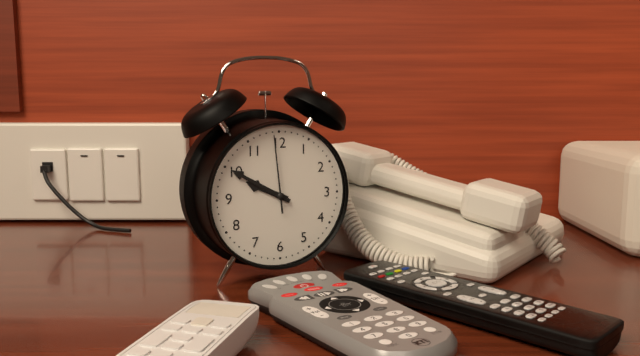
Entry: 9h50m59s
